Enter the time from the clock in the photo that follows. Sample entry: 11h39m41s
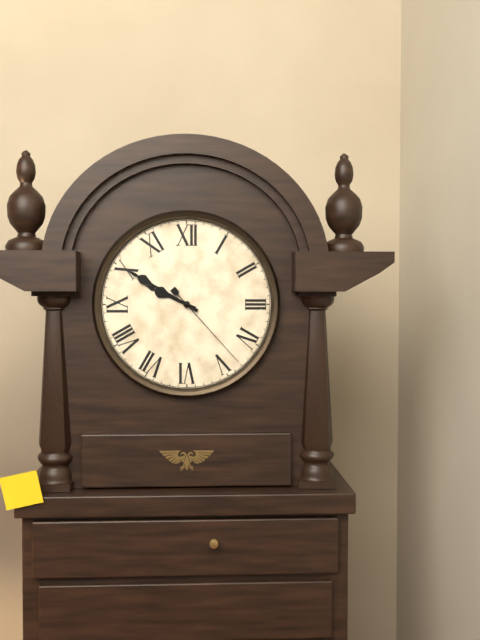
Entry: 9h50m23s
